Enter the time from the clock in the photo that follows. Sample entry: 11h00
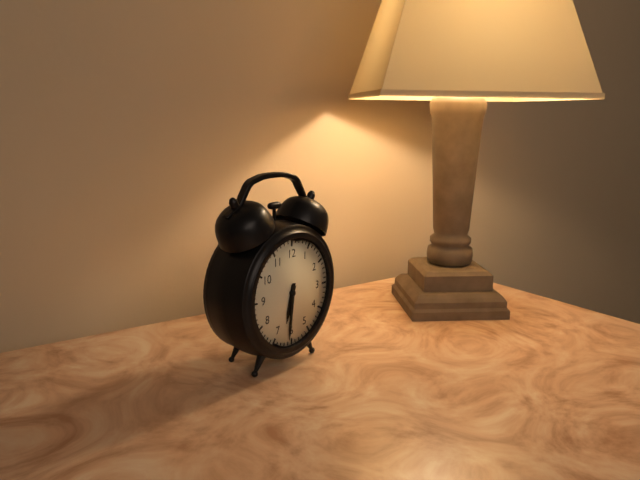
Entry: 6h31
